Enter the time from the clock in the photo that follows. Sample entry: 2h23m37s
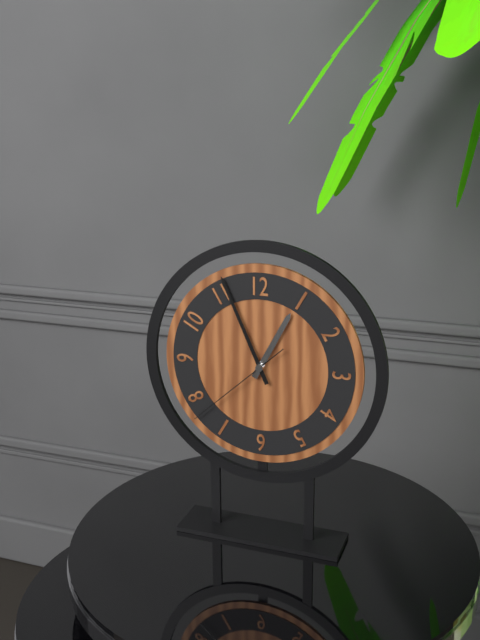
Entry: 12h56m38s
